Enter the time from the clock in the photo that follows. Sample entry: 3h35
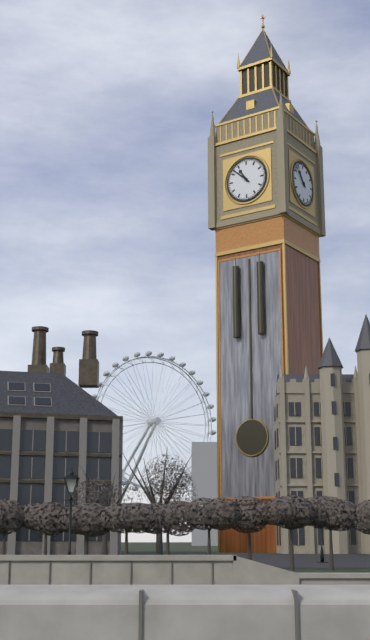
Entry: 10h52
